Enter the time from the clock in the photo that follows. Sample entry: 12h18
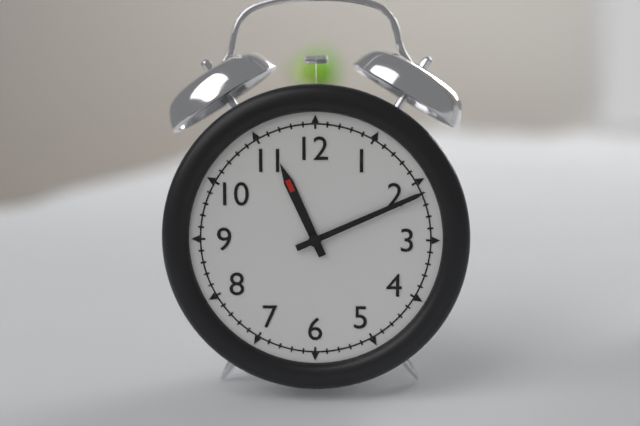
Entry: 11h11
